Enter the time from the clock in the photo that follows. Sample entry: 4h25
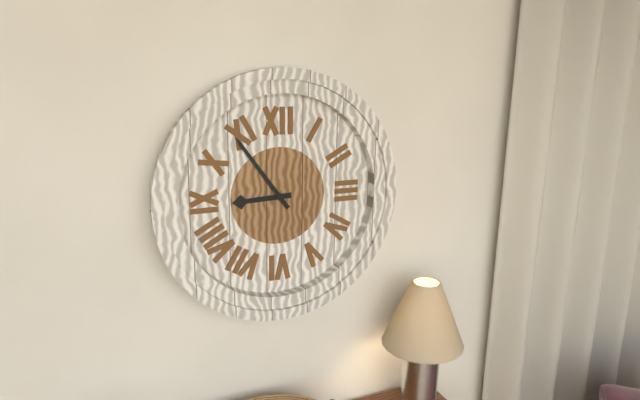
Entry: 8h54
